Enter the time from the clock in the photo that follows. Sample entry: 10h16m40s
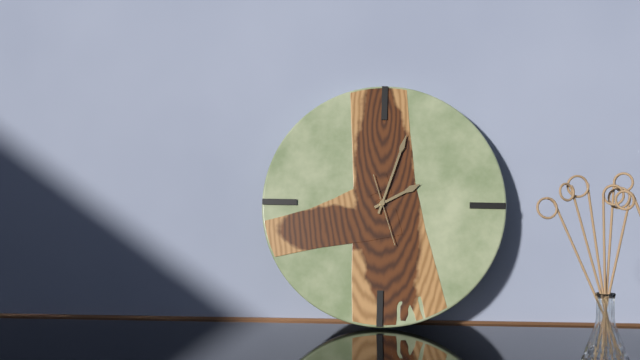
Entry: 2h03m27s
